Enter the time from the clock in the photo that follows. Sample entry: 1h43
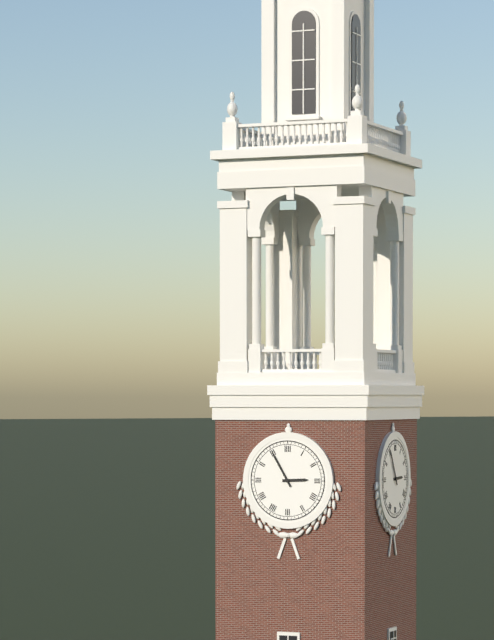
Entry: 2h55
